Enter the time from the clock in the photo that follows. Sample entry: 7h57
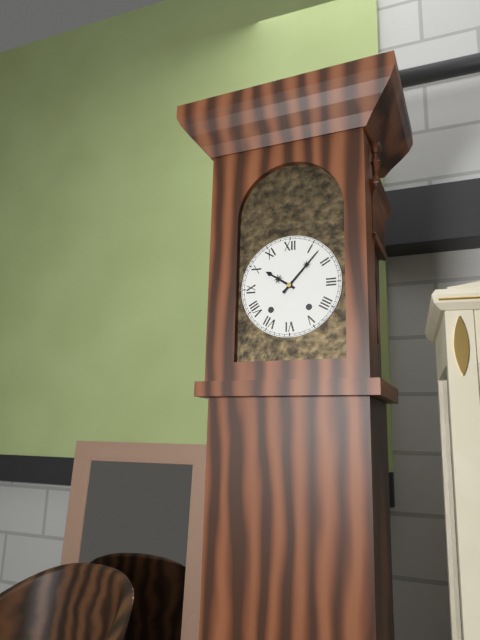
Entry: 10h07
